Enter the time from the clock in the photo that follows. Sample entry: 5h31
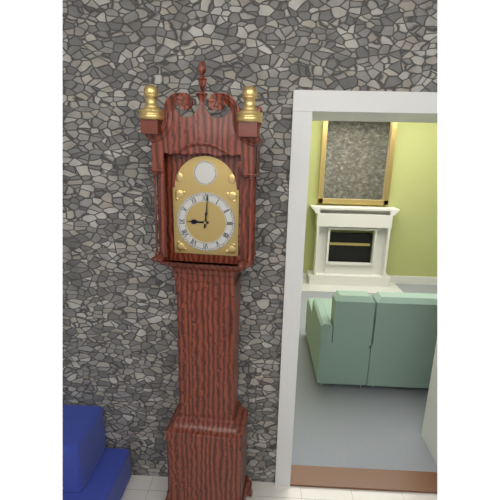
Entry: 9h01
